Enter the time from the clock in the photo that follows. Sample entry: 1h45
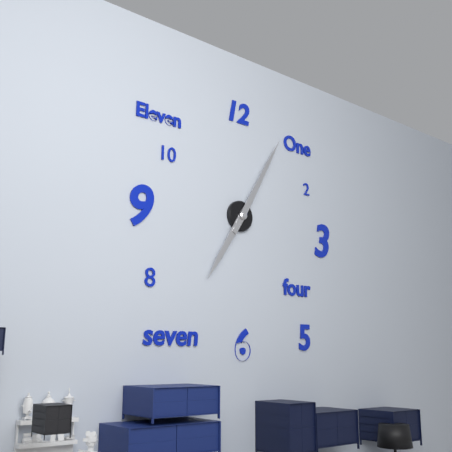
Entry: 7h05
